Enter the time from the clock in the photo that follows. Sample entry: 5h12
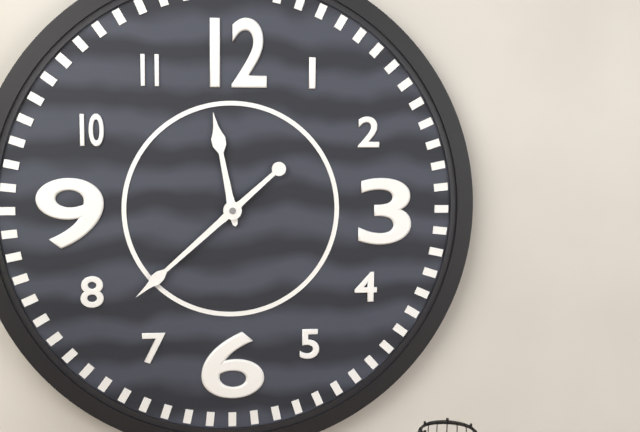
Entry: 11h38
